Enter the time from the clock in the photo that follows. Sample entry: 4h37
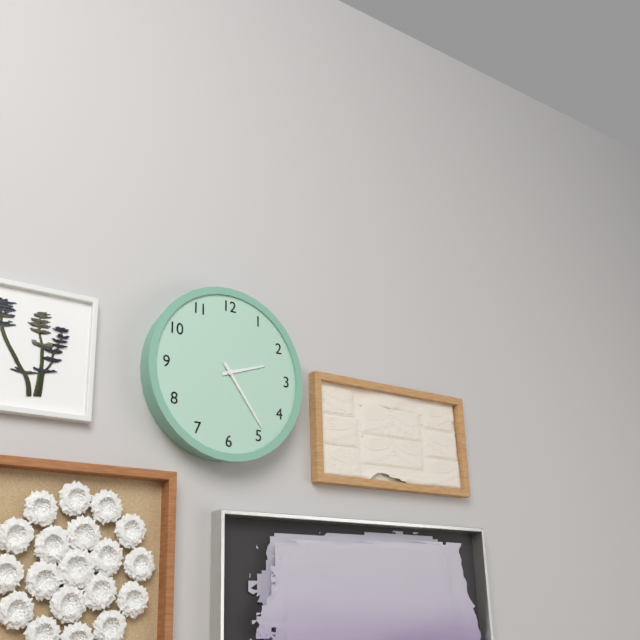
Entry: 2h24
